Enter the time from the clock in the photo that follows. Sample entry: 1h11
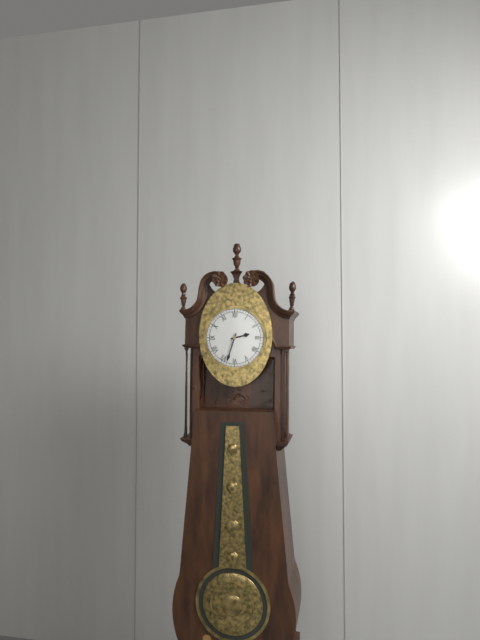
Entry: 2h33
